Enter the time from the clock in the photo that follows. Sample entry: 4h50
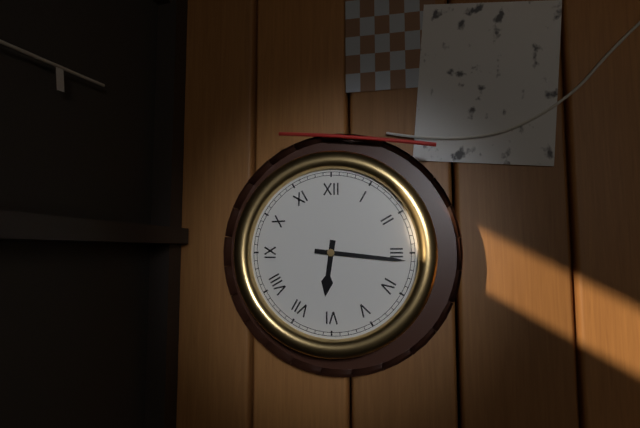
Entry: 6h16
